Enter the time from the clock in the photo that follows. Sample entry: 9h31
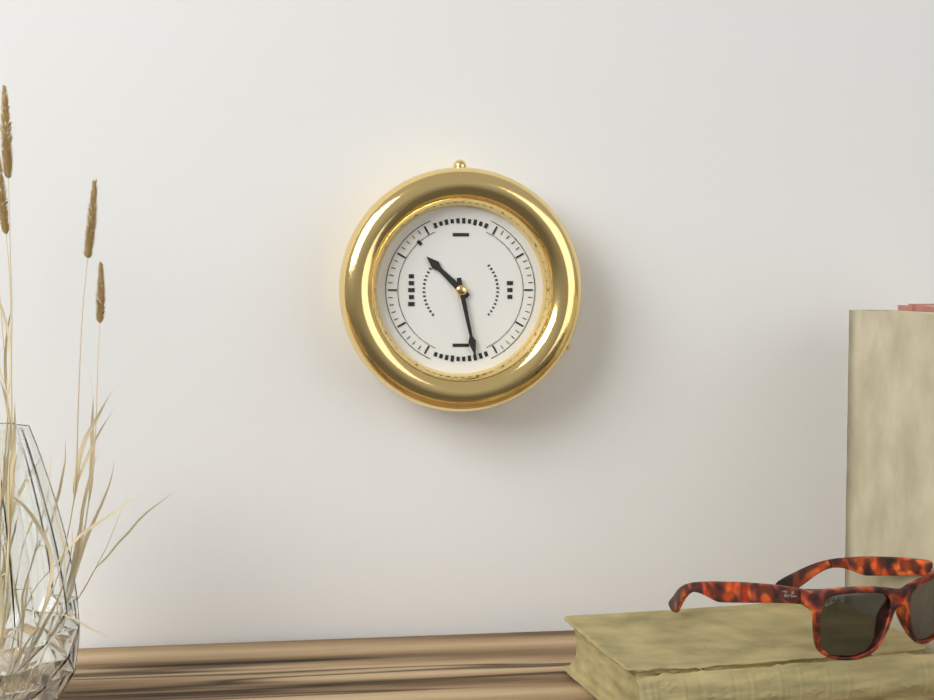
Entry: 10h28
